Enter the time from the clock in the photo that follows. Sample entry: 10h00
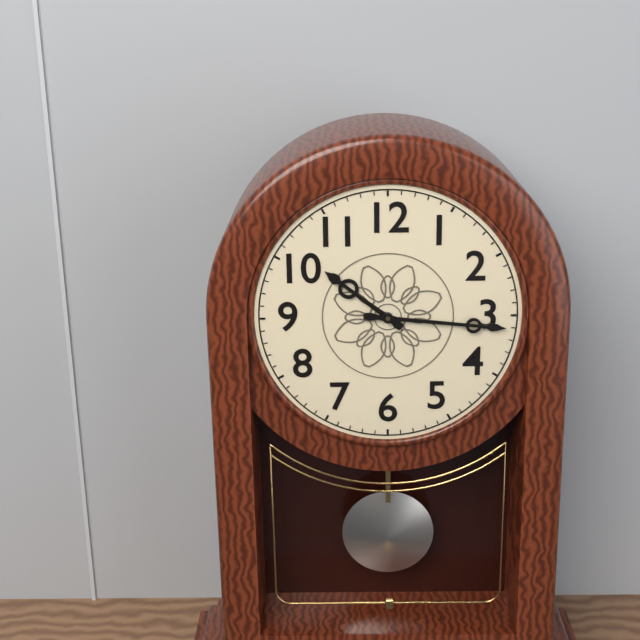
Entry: 10h16
